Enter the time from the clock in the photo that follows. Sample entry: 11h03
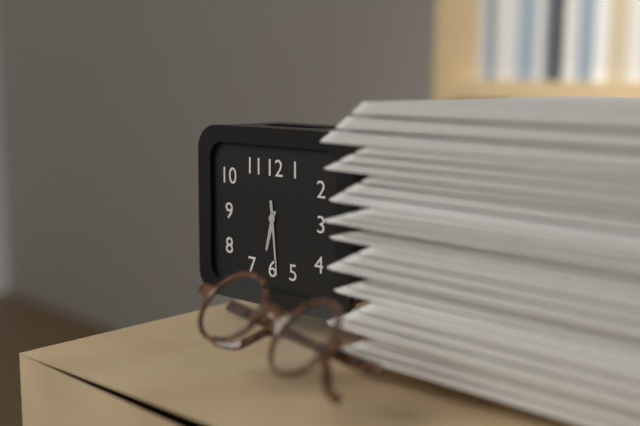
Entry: 6h29
